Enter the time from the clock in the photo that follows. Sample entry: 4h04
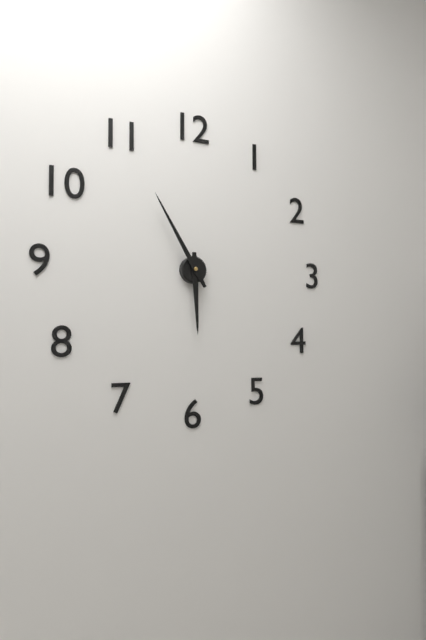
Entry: 5h55
